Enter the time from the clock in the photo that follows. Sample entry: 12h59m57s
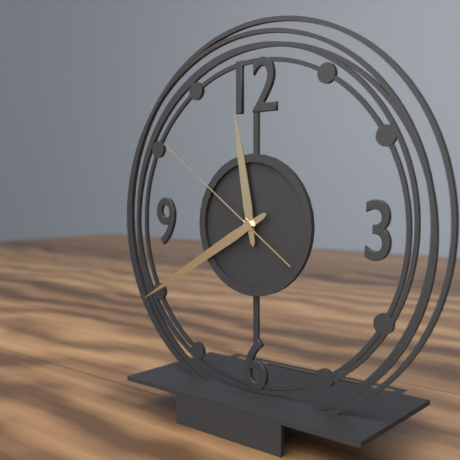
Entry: 11h40m51s
